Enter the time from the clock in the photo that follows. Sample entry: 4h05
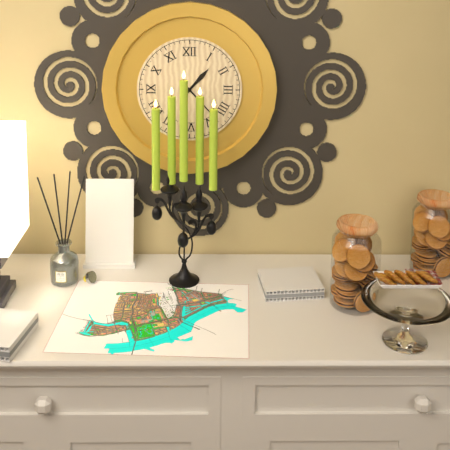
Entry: 1h23
